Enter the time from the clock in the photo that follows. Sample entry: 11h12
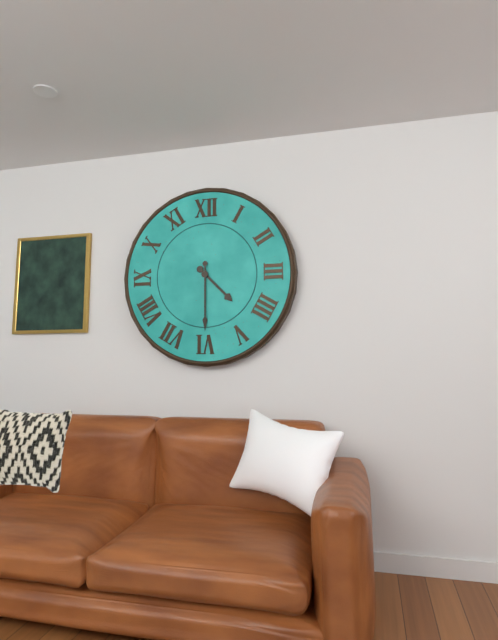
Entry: 4h30
